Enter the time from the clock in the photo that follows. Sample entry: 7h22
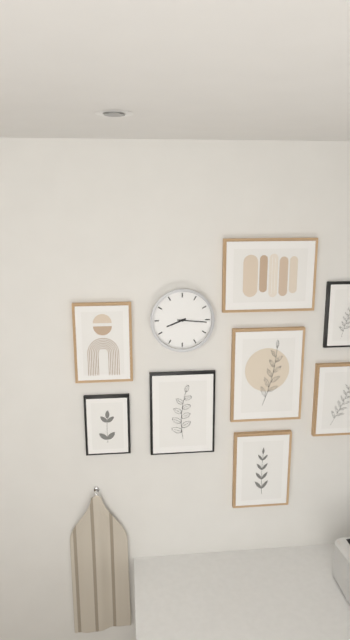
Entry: 8h16
